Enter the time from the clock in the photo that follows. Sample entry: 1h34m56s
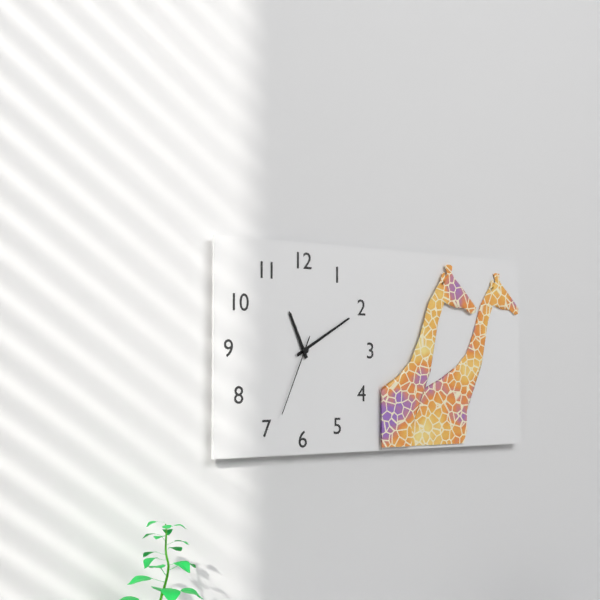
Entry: 11h10m34s
